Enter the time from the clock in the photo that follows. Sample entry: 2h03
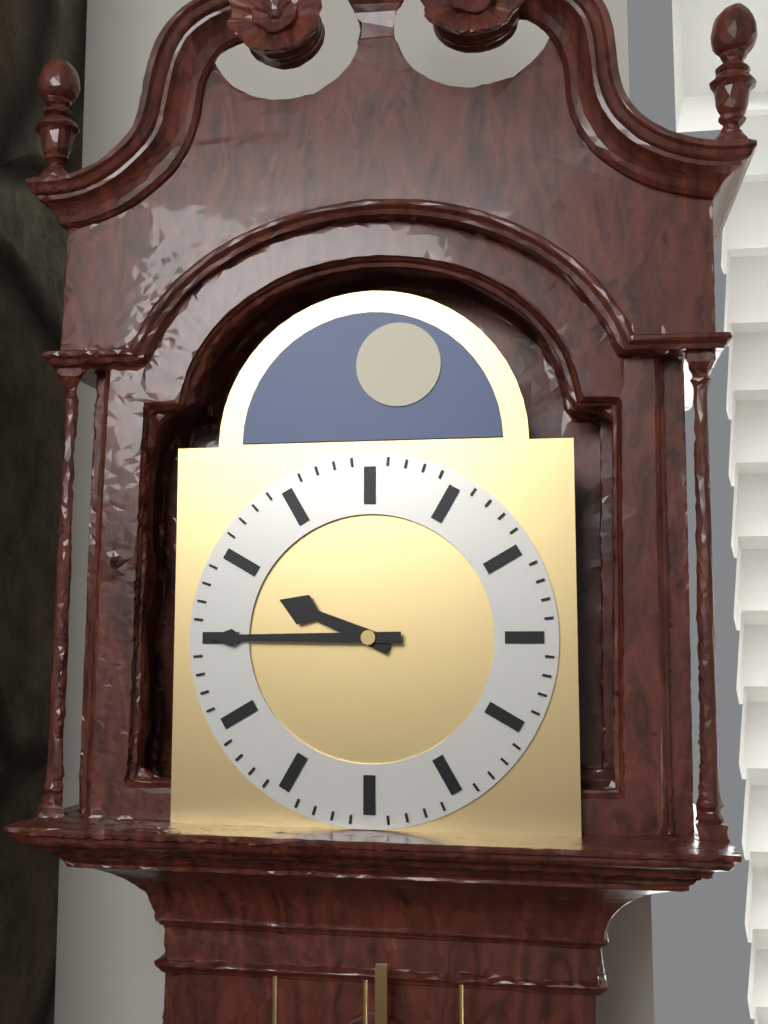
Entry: 9h45
